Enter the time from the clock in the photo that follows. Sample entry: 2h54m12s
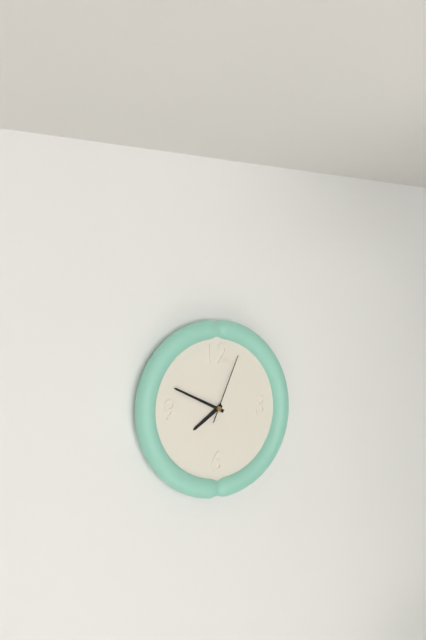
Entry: 7h49m04s
